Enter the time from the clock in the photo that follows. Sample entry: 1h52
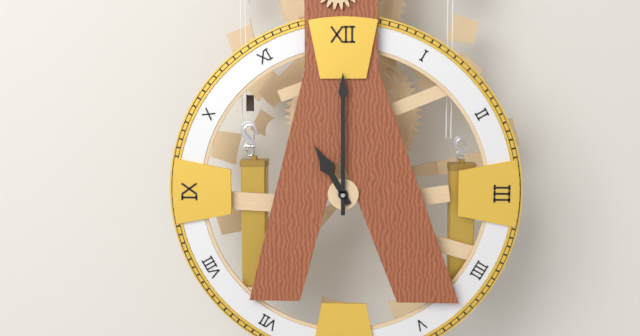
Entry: 11h00
